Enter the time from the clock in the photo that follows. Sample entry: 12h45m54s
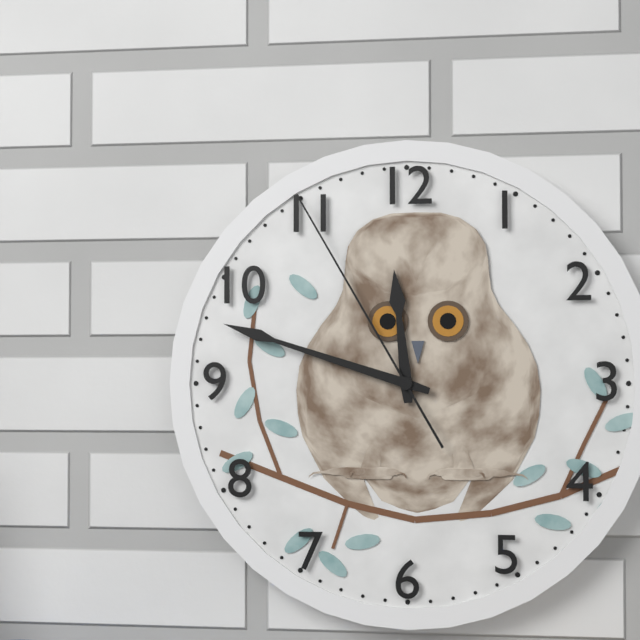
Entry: 11h48m55s
